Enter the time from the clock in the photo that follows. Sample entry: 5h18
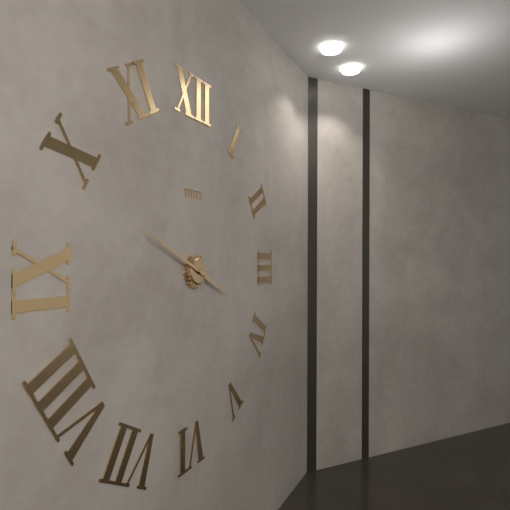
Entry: 3h49
